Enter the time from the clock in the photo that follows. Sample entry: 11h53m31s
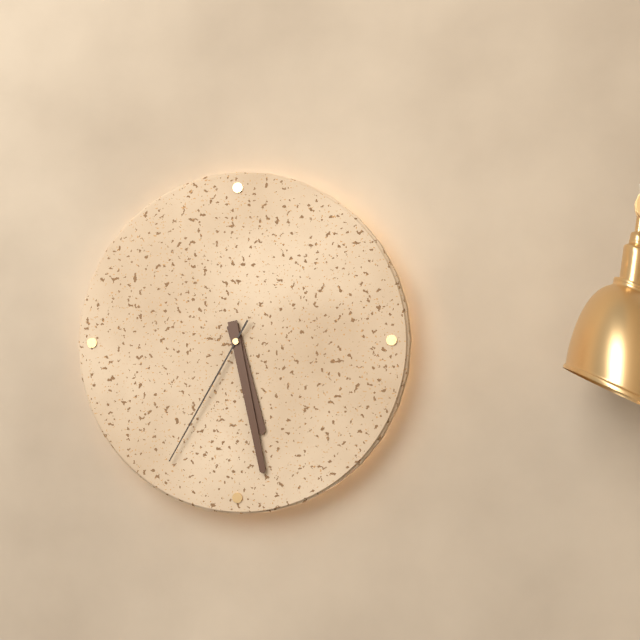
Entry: 5h28m35s
